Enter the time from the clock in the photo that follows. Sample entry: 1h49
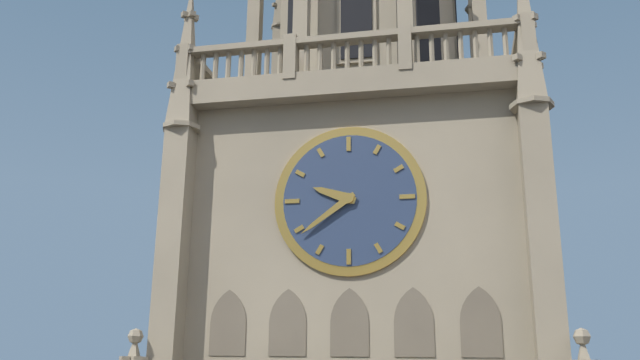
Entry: 9h39
